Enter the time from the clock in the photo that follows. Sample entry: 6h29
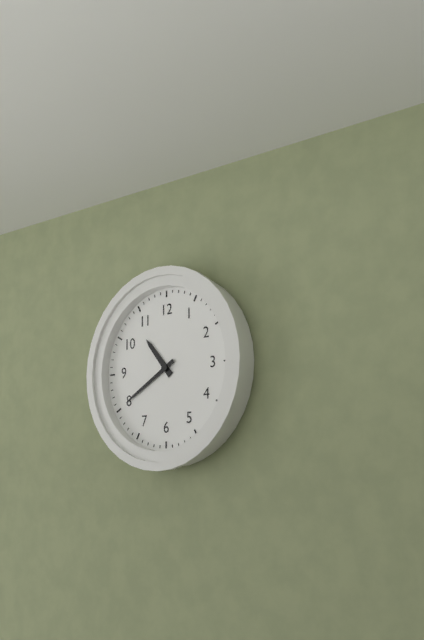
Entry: 10h40
